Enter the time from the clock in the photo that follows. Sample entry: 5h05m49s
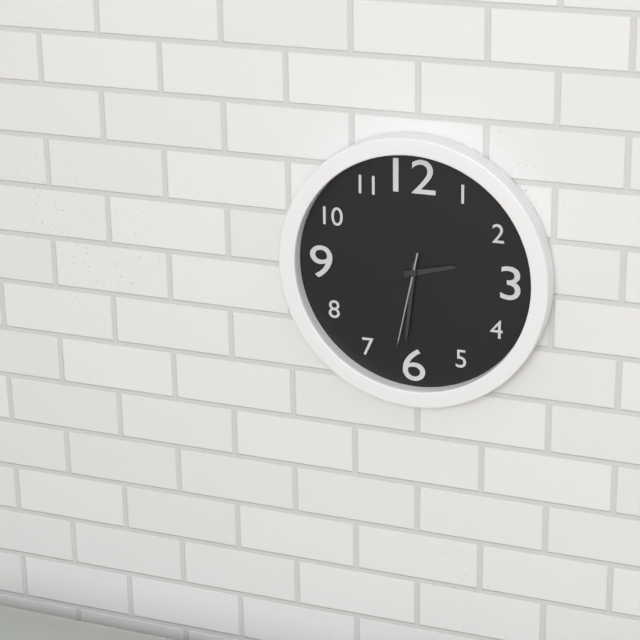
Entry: 2h31m32s
